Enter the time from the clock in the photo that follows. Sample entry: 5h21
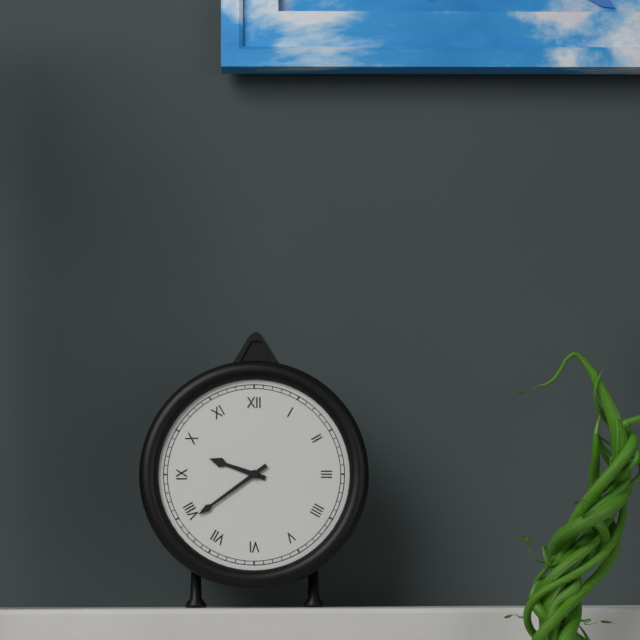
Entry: 9h39
